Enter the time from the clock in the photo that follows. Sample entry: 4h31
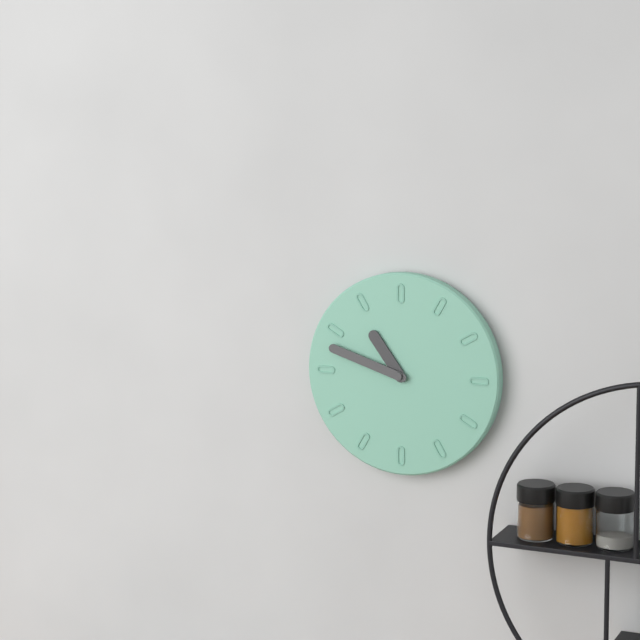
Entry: 10h48
